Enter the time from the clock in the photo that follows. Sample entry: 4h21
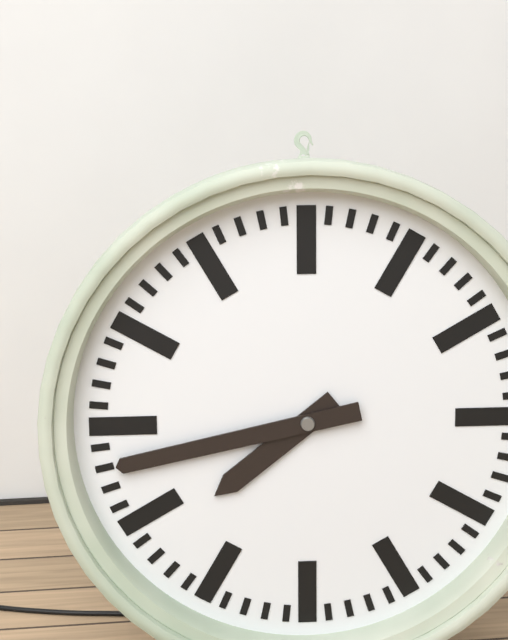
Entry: 7h43
